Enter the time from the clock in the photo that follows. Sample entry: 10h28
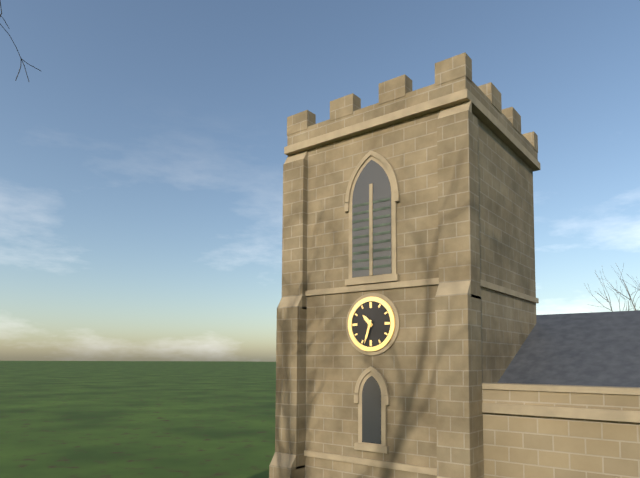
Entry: 10h33
